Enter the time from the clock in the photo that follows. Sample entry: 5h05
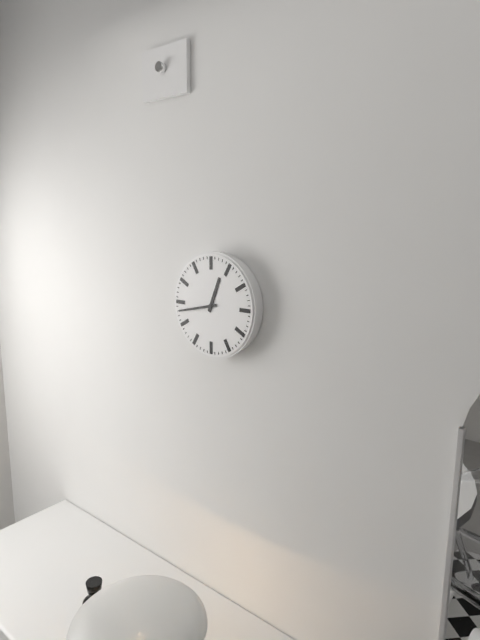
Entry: 12h43
